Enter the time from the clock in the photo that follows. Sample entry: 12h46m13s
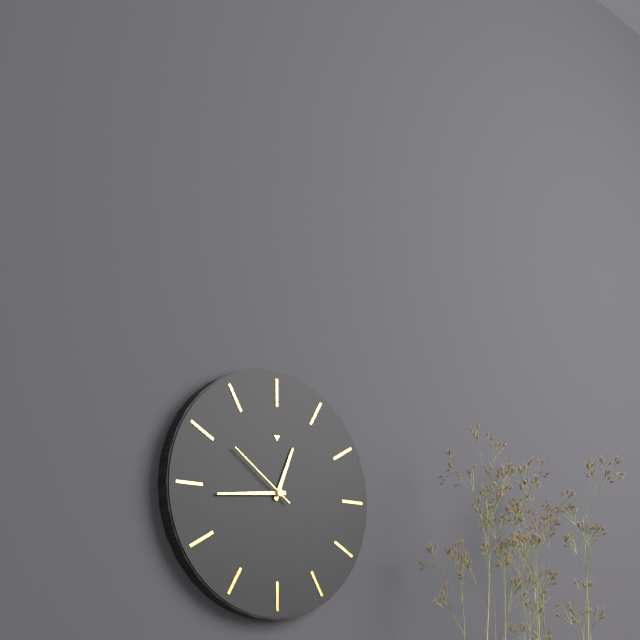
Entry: 12h44m51s
